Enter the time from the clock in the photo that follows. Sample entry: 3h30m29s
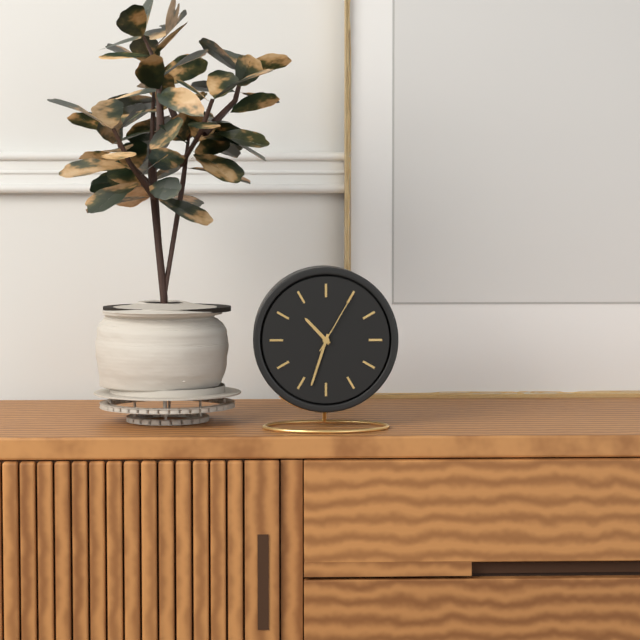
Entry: 10h33m05s
